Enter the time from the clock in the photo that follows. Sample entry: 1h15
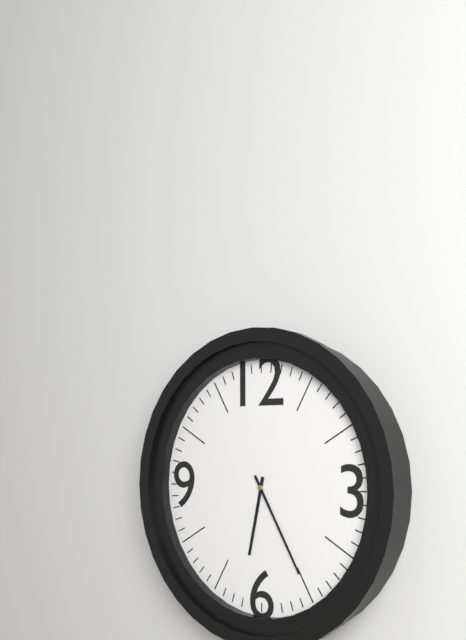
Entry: 6h25
